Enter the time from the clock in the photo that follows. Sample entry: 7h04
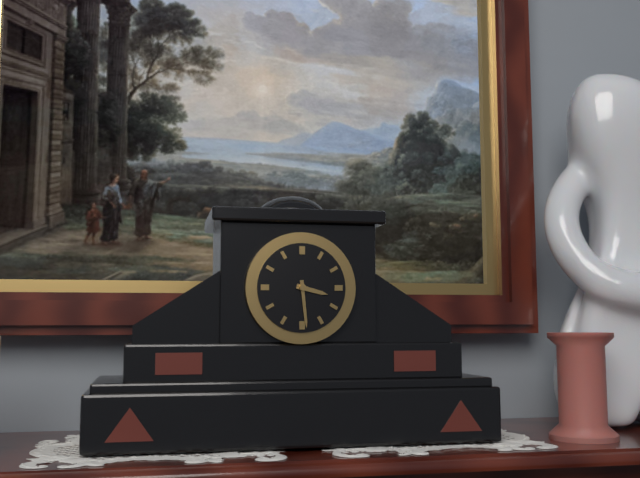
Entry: 3h29
